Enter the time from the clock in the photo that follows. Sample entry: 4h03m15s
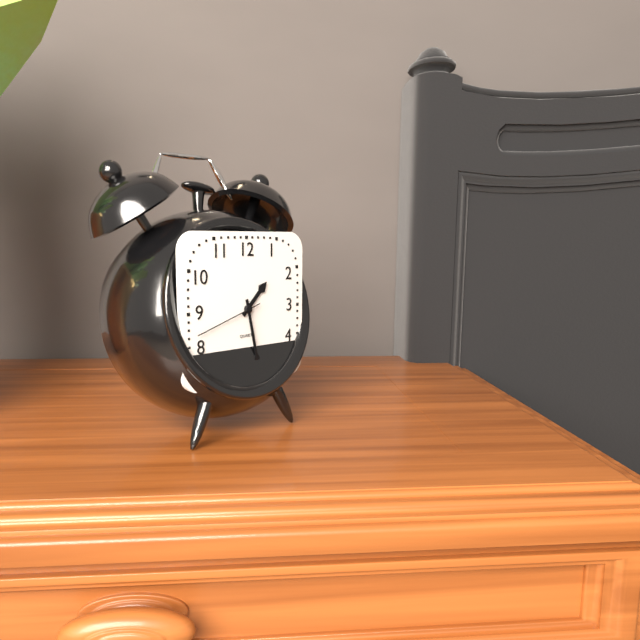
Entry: 1h28m42s
